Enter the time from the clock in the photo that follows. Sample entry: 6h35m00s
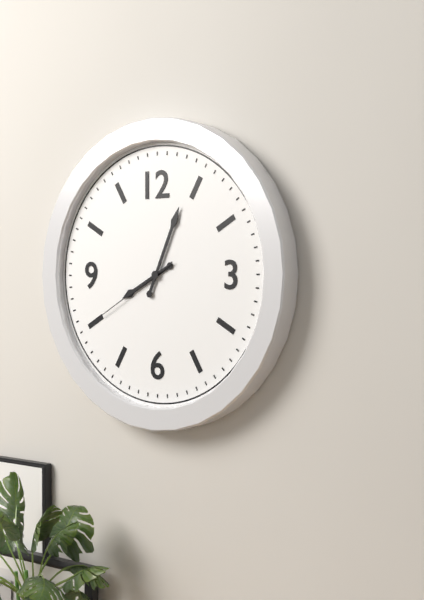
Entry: 8h04m40s
